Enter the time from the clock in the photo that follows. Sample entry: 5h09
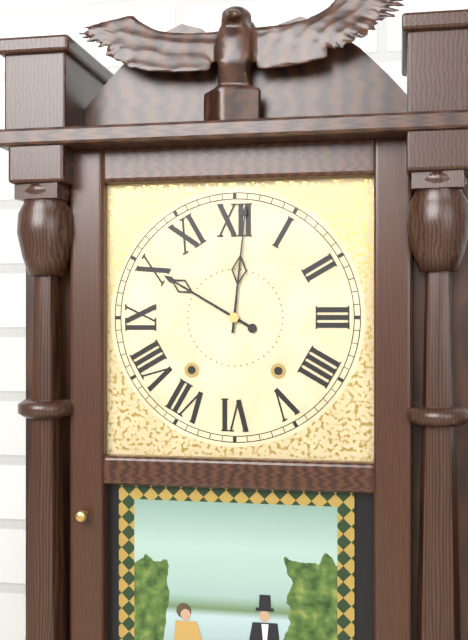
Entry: 10h01
